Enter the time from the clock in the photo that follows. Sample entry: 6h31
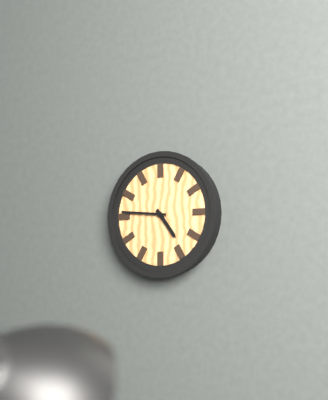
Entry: 4h46
